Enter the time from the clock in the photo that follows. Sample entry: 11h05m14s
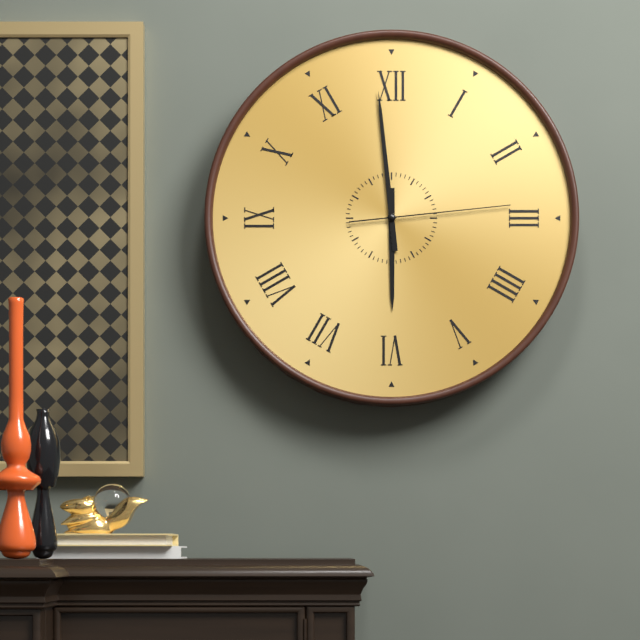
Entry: 5h59m14s
